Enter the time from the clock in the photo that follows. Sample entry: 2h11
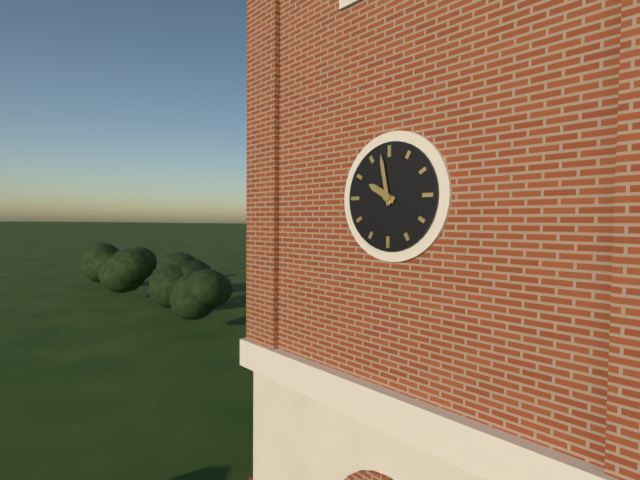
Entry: 9h58
